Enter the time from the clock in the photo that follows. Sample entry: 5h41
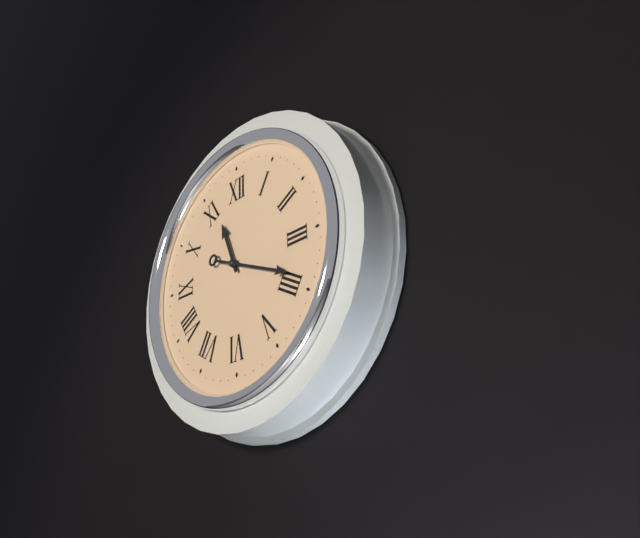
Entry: 11h19
